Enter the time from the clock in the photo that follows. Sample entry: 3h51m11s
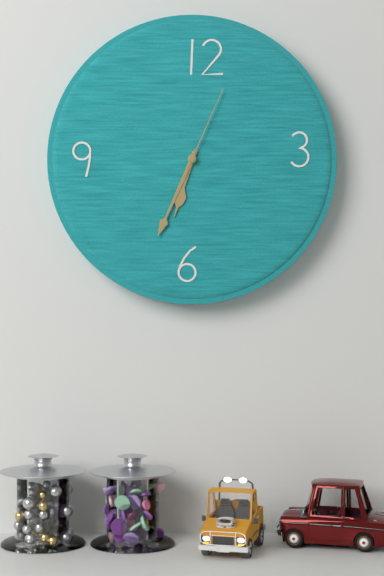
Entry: 6h34m04s
